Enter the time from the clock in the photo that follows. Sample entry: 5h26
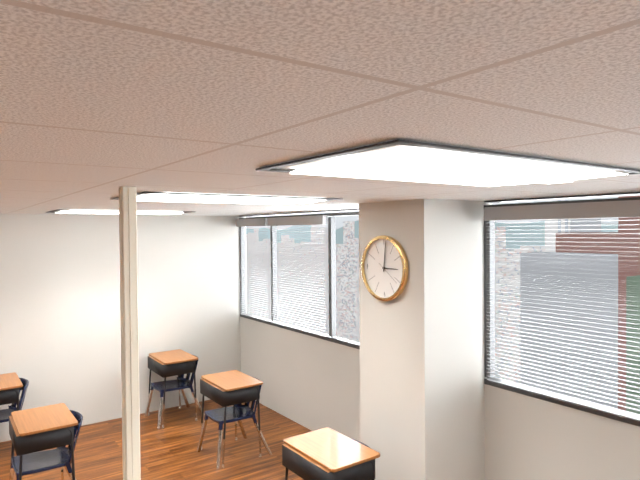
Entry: 3h01
